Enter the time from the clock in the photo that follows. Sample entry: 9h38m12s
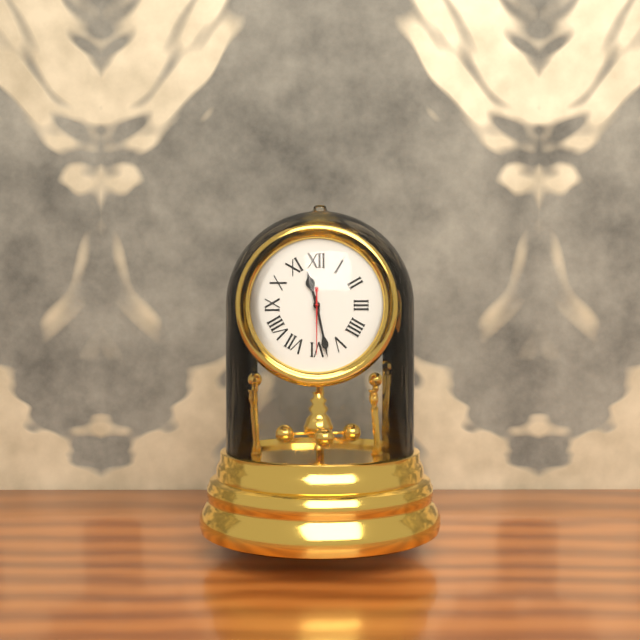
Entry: 11h28m30s
